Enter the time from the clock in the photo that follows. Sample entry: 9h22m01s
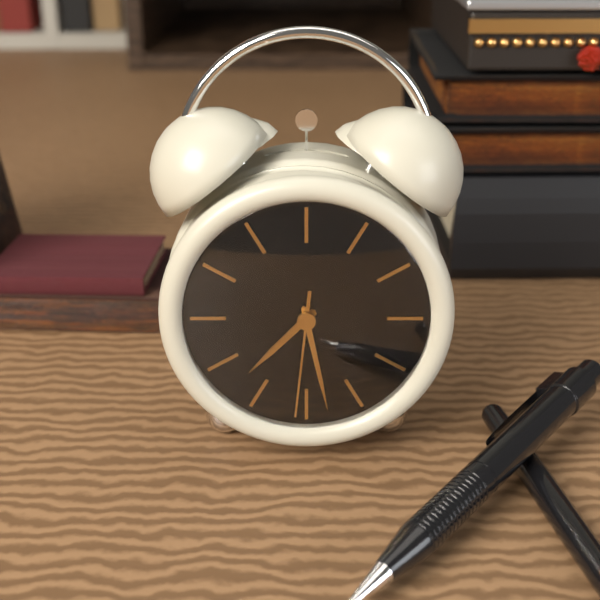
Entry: 7h28m31s
